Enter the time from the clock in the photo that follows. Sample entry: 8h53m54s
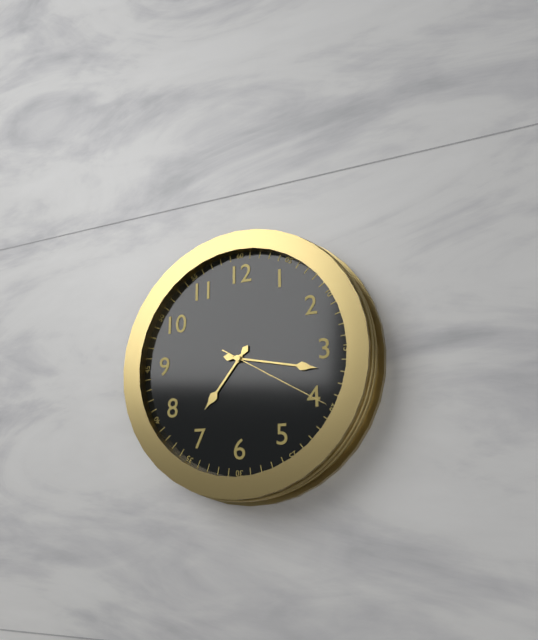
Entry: 7h17m20s
